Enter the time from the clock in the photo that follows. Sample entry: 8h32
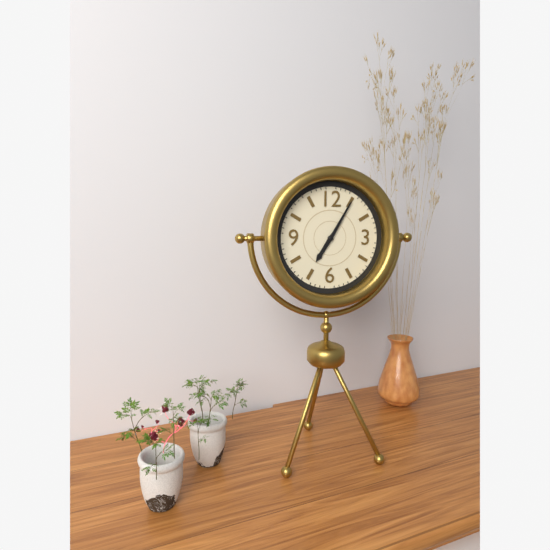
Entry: 7h05
